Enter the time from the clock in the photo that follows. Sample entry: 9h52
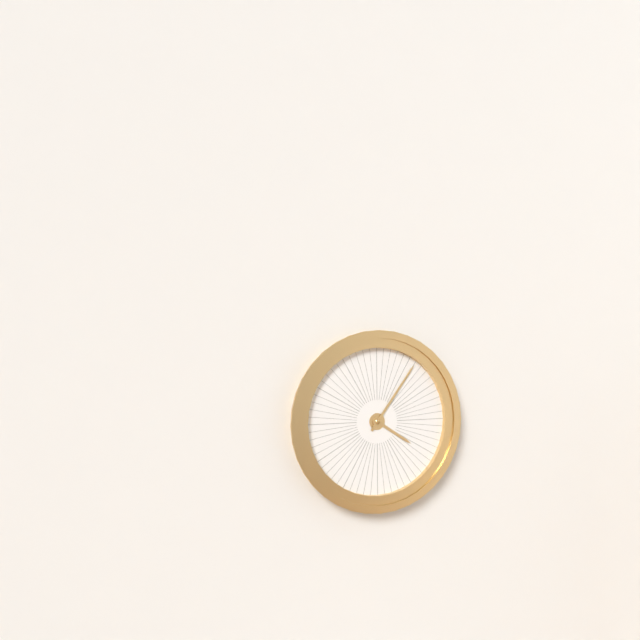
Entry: 4h06
